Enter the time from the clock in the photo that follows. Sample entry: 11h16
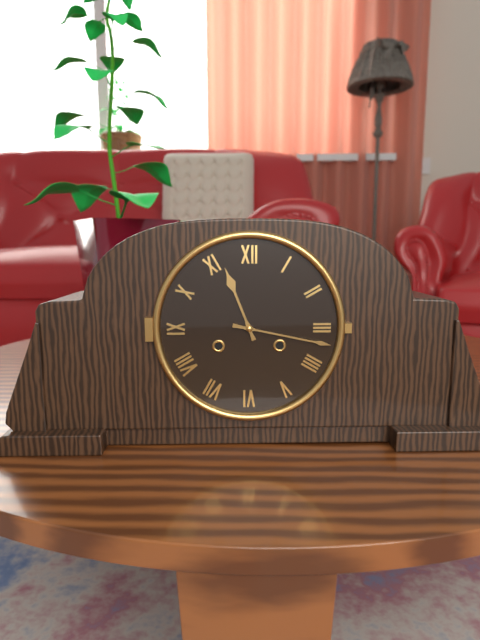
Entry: 11h17
